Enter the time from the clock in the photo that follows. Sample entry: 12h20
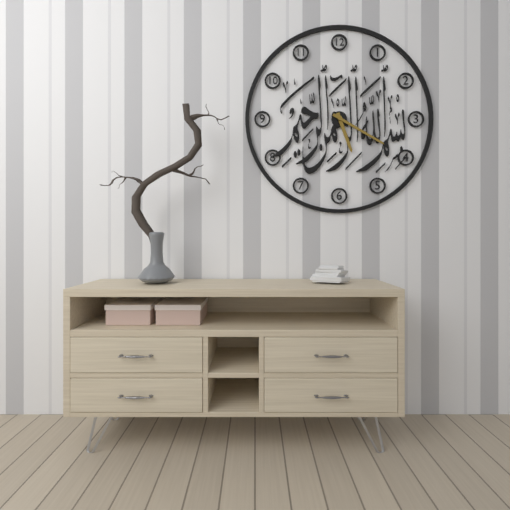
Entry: 5h20
